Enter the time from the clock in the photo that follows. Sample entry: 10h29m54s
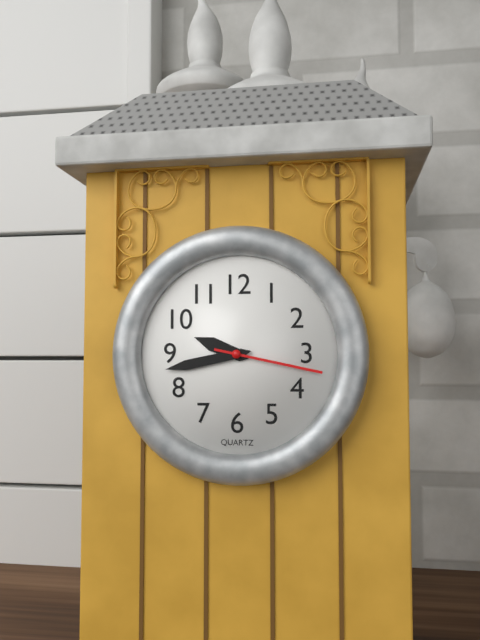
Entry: 9h43m17s
